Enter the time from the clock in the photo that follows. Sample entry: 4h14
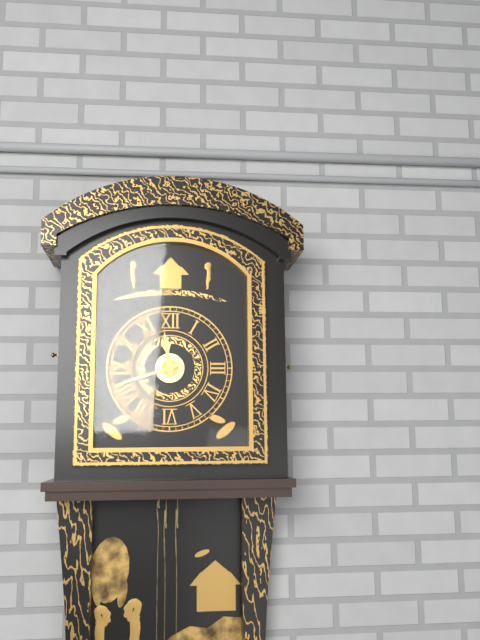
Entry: 11h42
